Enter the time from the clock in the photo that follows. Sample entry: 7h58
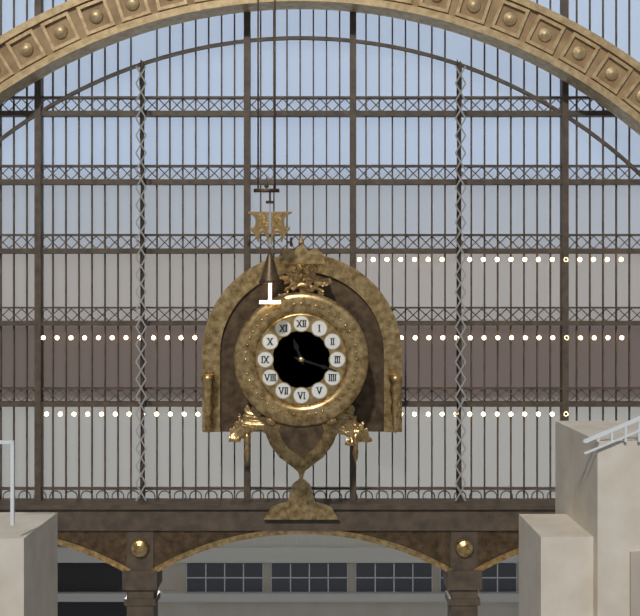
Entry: 11h18
